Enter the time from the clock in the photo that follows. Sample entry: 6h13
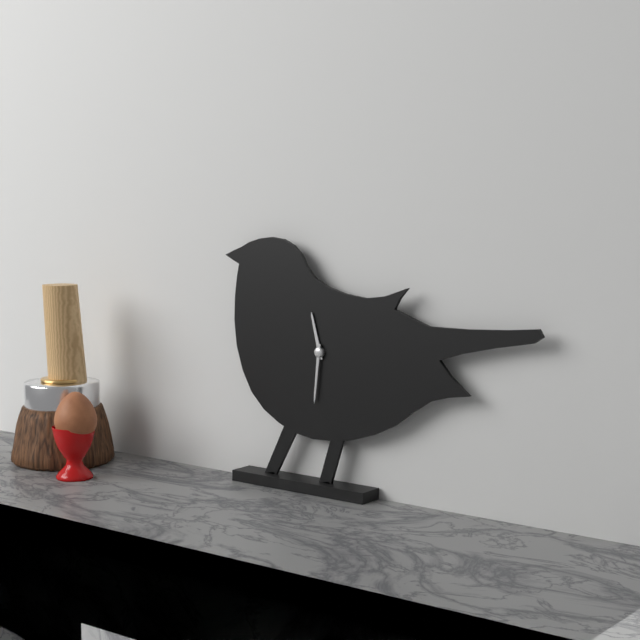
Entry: 11h31
